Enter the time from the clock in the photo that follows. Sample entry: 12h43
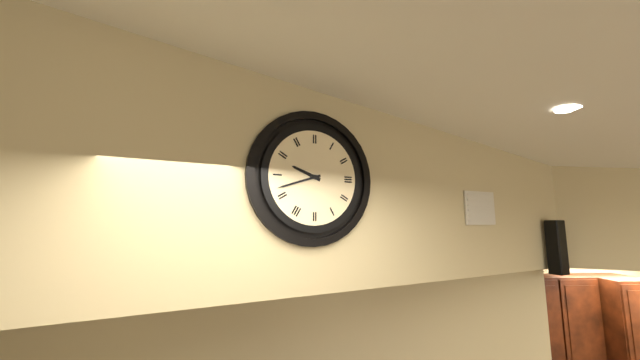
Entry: 9h42
